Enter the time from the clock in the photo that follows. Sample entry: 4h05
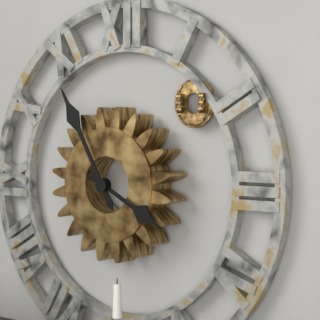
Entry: 3h55
